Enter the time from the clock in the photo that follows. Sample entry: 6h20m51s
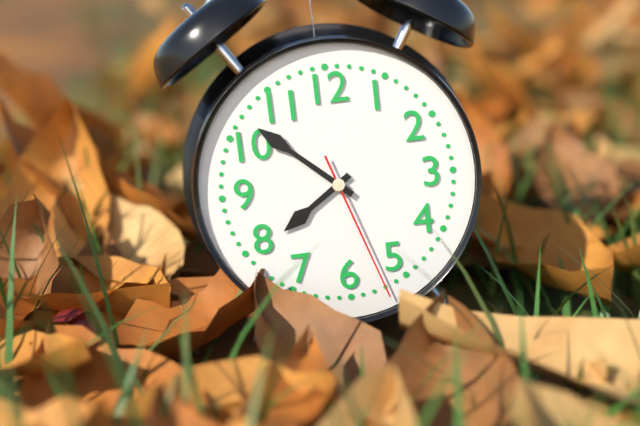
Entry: 7h52m27s
